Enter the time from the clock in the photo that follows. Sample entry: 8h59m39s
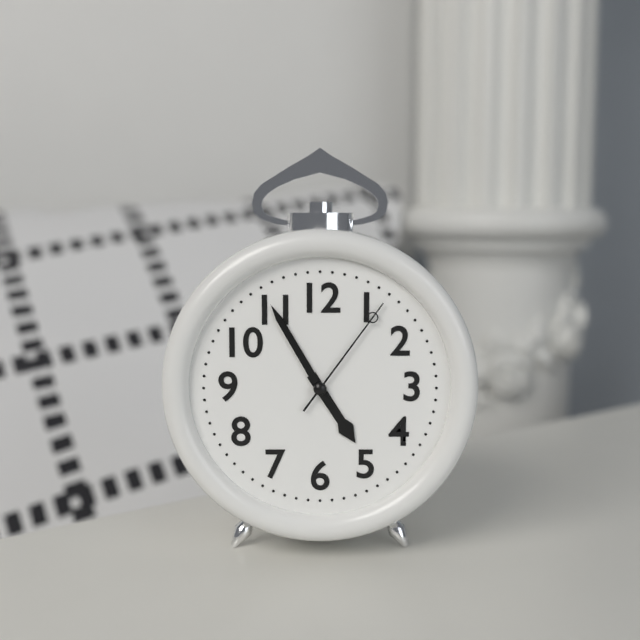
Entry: 4h55m06s
